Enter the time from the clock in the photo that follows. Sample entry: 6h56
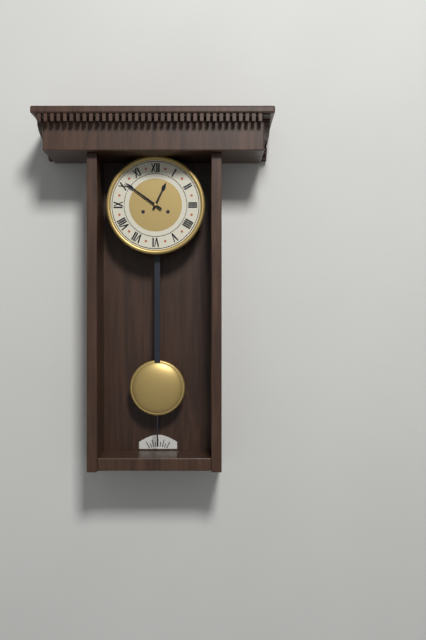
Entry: 12h51
